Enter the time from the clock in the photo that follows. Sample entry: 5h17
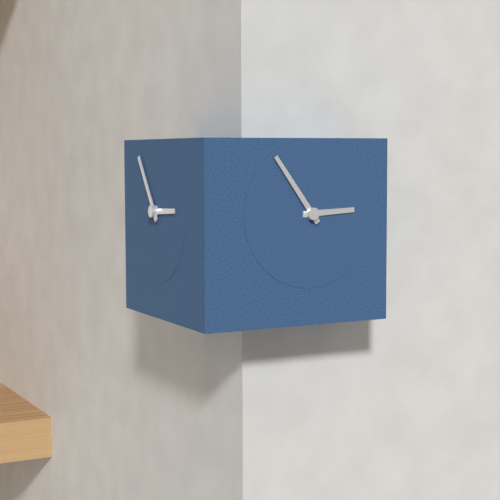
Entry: 2h54
